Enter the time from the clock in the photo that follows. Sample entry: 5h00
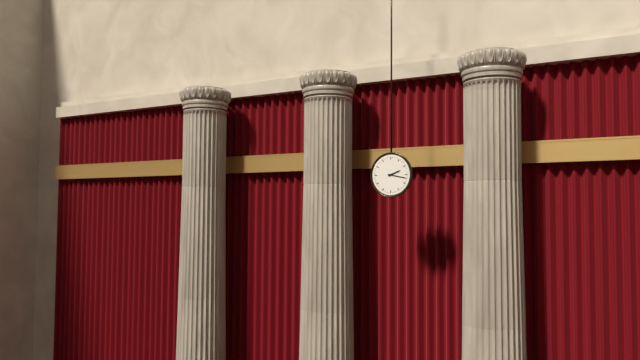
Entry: 2h17
